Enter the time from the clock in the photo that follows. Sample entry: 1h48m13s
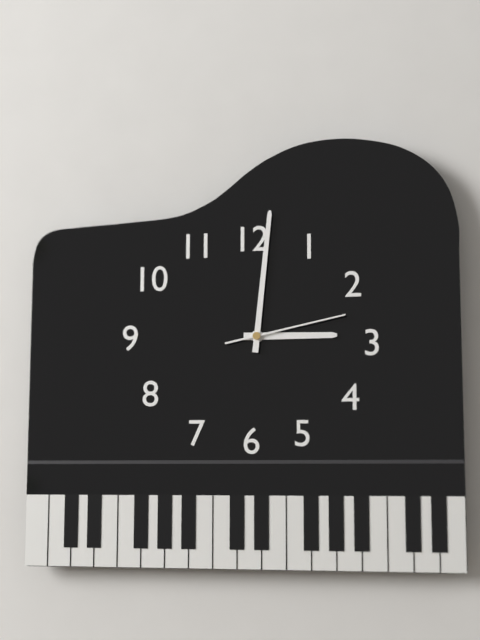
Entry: 3h01m13s
